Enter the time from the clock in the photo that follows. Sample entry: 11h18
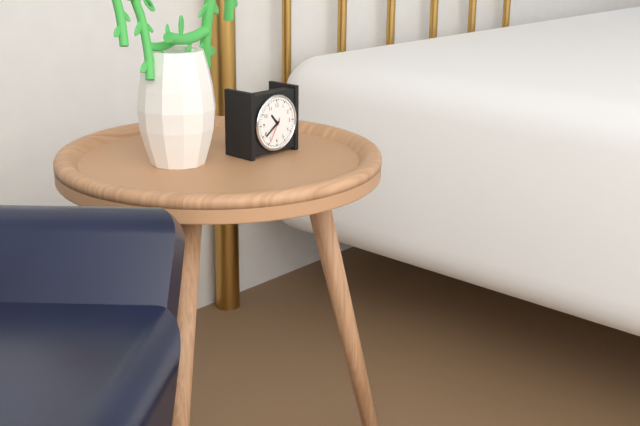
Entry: 10h39
